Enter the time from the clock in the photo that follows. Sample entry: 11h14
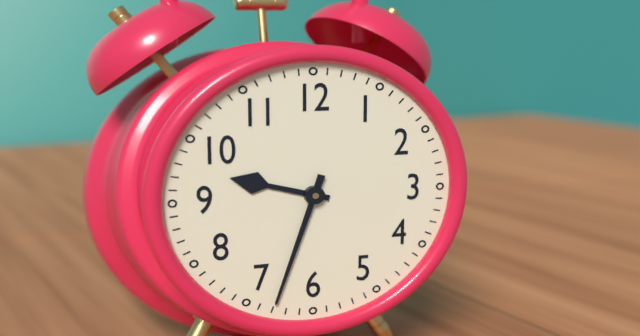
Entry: 9h33
